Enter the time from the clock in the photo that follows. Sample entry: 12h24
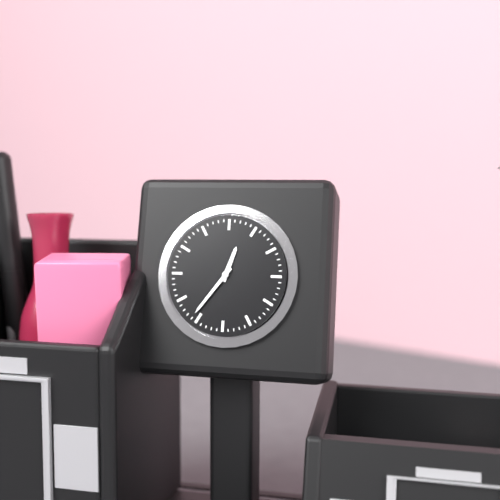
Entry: 12h36
